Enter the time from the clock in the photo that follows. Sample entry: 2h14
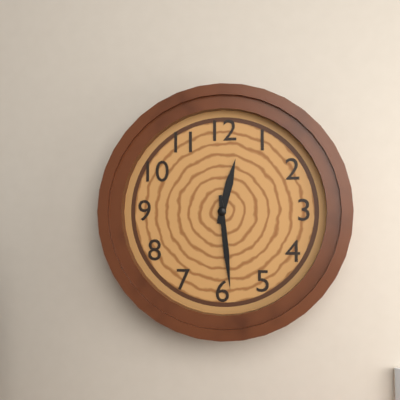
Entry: 12h29
